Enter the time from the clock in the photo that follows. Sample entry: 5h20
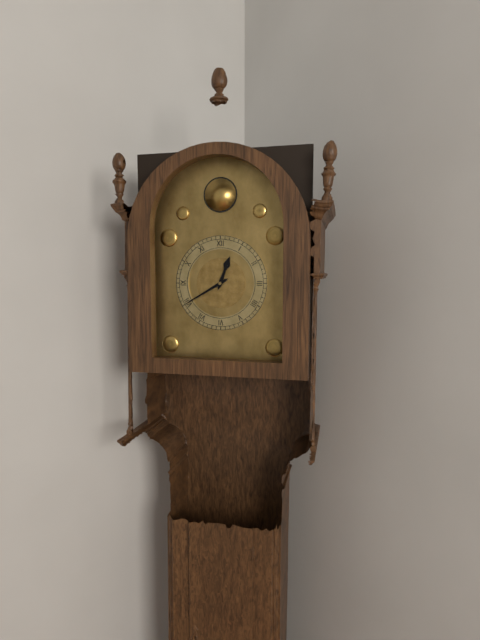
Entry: 12h40
